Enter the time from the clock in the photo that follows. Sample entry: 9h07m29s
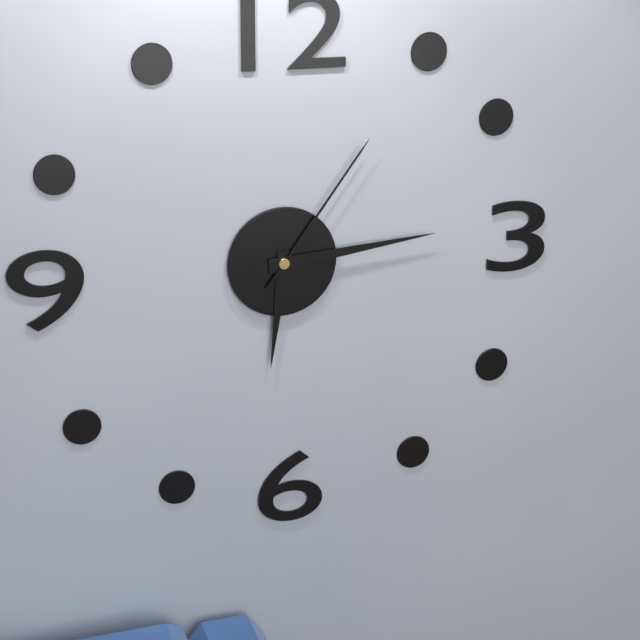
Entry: 6h14m06s
